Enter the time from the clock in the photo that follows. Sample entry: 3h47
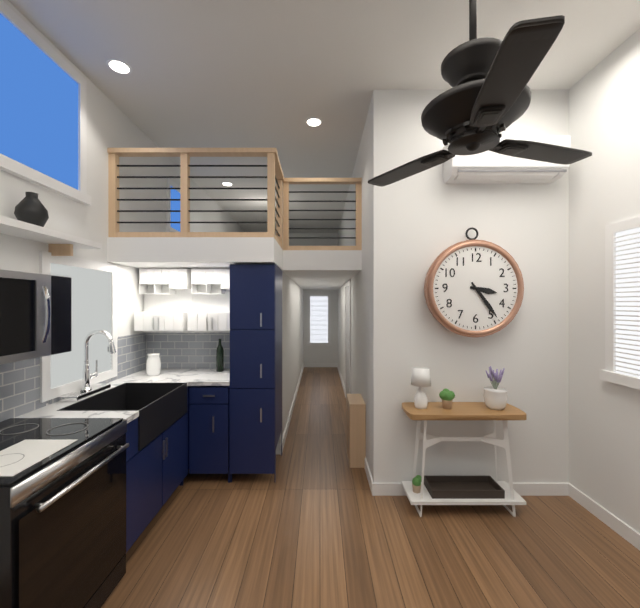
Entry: 3h24
